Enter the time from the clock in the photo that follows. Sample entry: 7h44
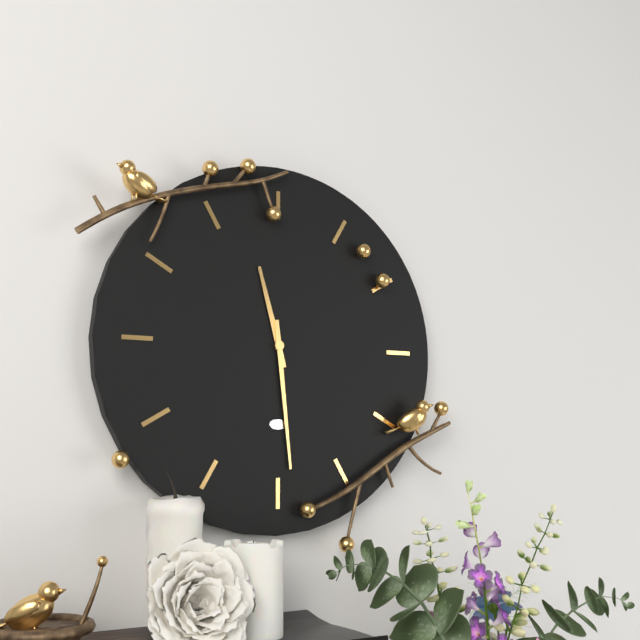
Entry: 11h29
